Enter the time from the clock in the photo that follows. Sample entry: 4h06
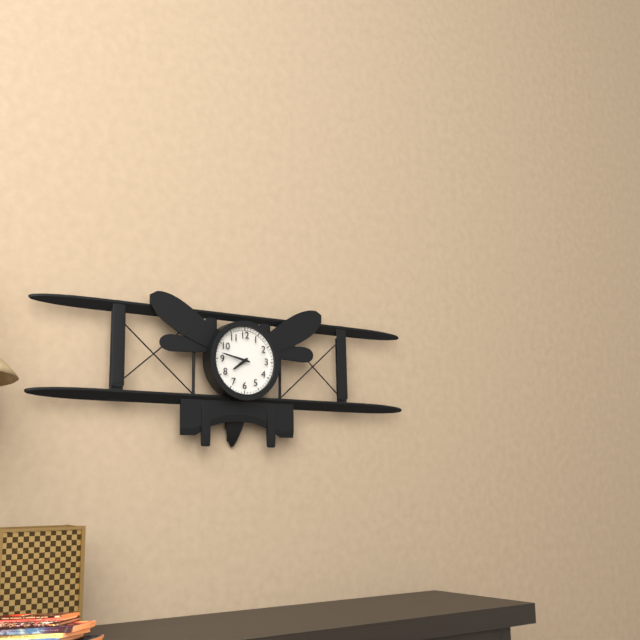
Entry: 7h47
